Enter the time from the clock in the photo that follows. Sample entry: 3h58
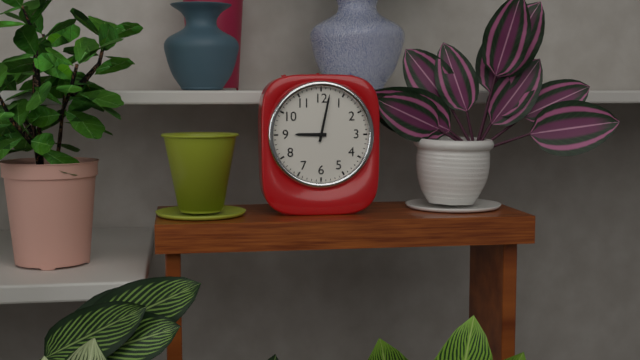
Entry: 9h02
